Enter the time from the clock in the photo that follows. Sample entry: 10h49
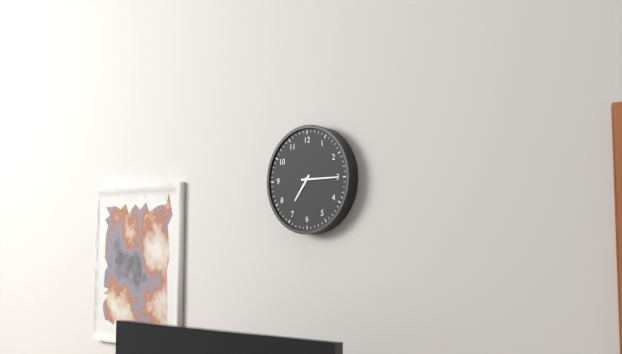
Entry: 7h15
